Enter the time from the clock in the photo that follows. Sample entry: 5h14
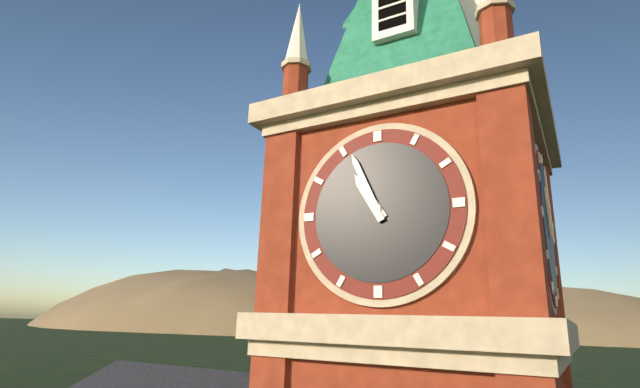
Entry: 10h56
